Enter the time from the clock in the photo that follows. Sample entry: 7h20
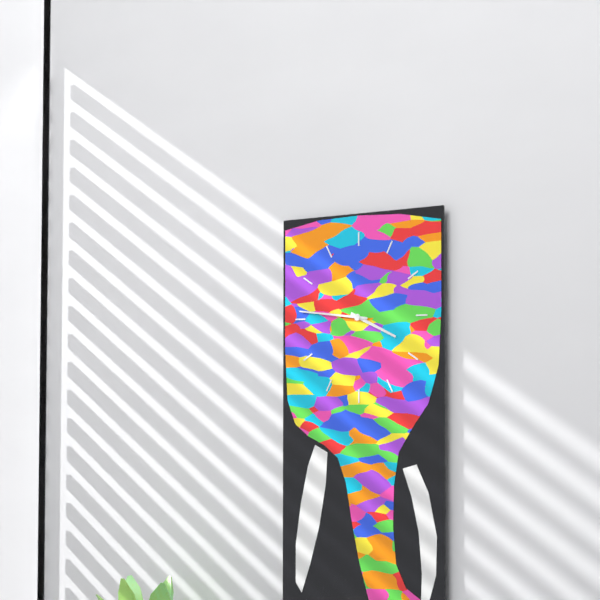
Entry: 3h46
